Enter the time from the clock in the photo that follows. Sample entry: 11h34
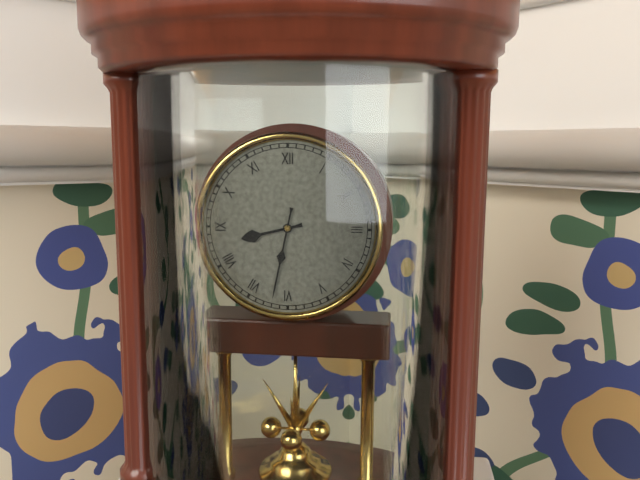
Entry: 8h32
